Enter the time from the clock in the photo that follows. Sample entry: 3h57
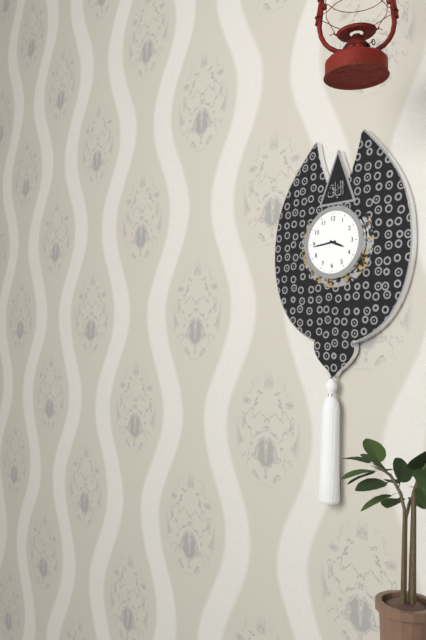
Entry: 3h44
